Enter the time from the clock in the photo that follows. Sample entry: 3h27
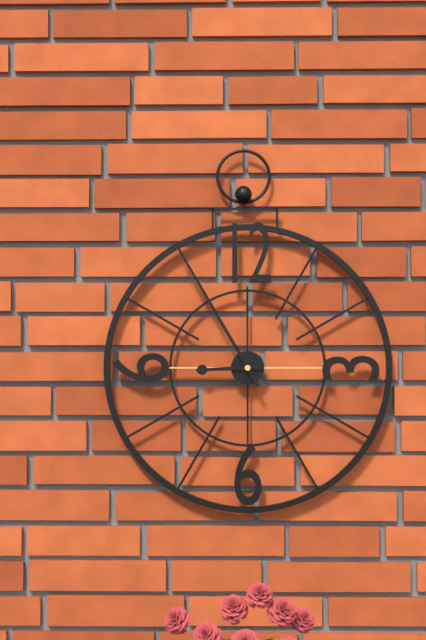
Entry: 8h55
